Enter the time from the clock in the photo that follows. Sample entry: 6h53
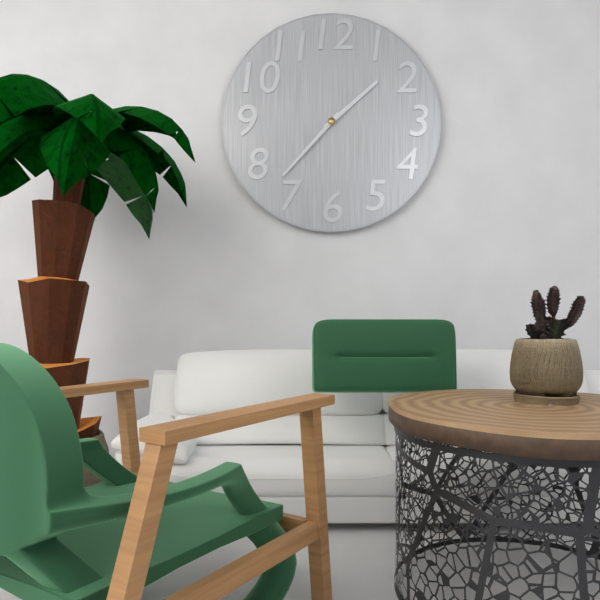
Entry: 1h37
